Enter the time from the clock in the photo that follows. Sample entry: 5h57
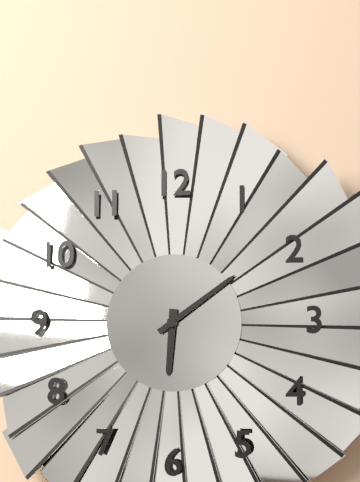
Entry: 6h09
